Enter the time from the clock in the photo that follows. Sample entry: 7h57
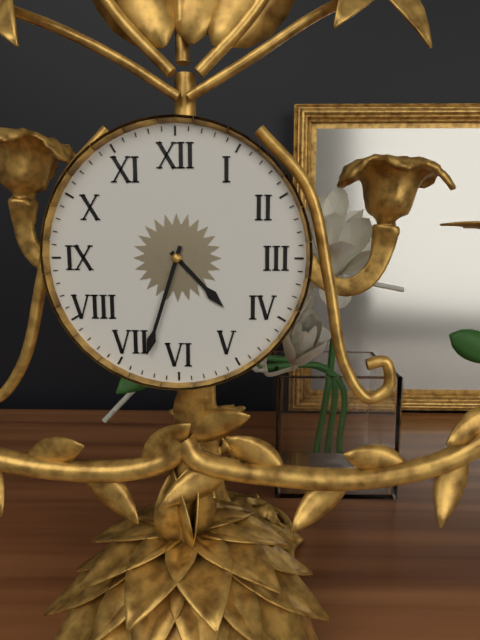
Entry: 4h33
